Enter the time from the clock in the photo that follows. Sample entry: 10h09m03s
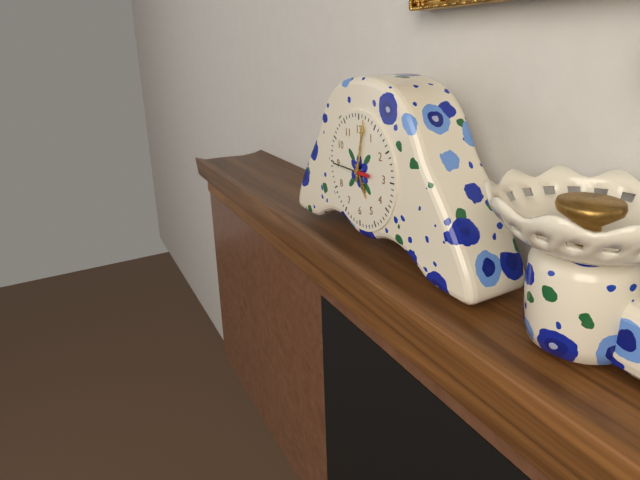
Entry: 5h02m45s
